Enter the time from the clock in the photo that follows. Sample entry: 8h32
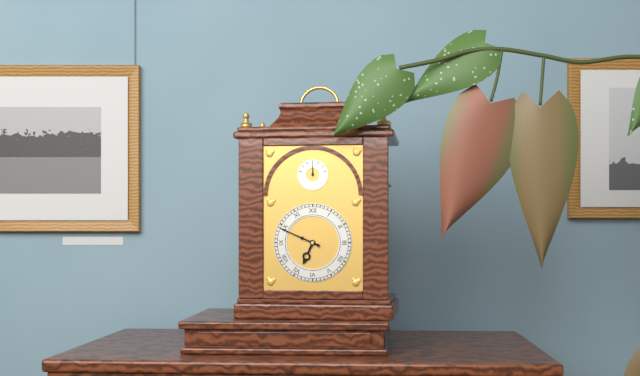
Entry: 6h49
